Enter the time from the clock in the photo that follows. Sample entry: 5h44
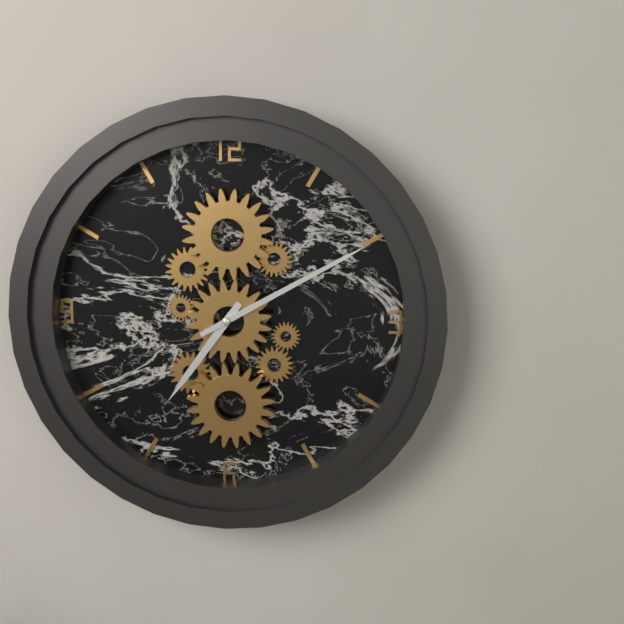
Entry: 7h10
